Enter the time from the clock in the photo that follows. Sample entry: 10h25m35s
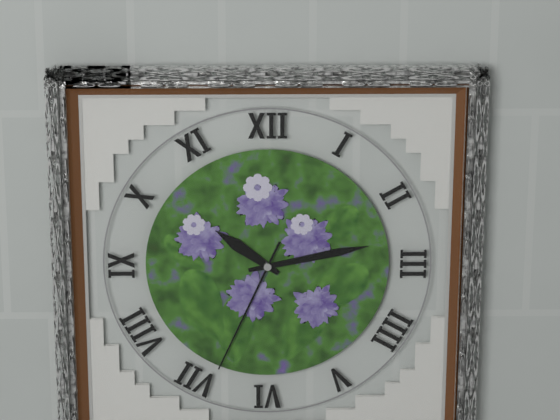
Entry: 10h13m34s
